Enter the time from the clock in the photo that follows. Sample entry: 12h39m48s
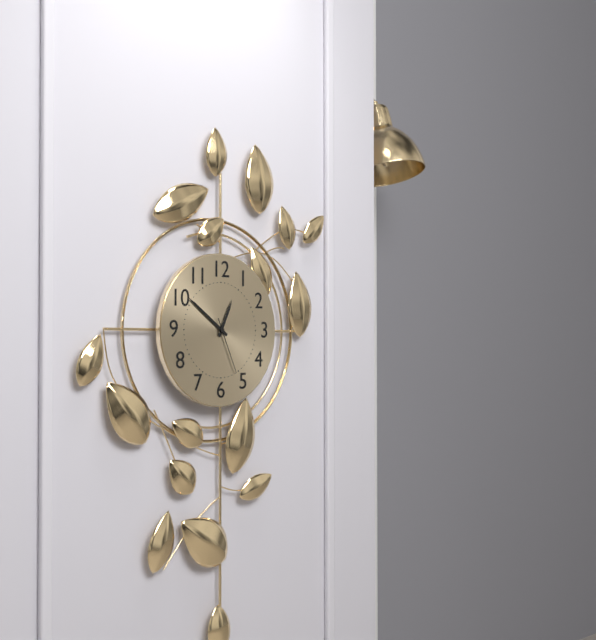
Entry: 12h51m26s
